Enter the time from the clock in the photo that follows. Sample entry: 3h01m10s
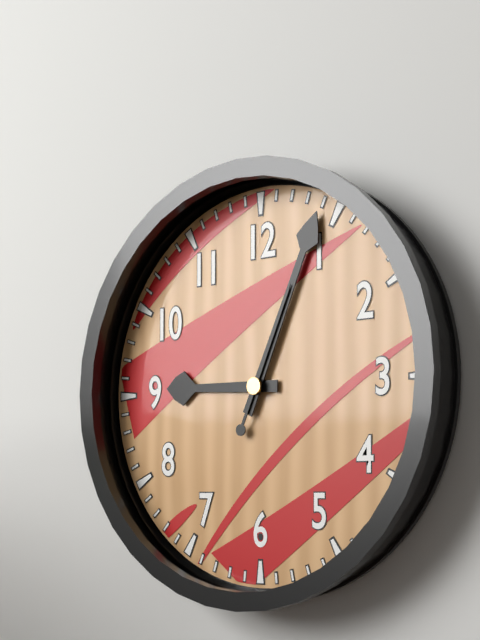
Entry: 9h04m04s
